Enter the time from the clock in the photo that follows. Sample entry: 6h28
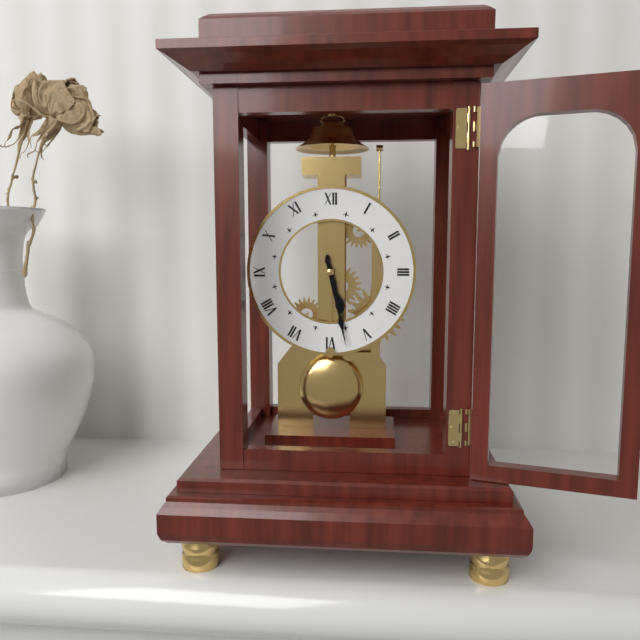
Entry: 5h28
